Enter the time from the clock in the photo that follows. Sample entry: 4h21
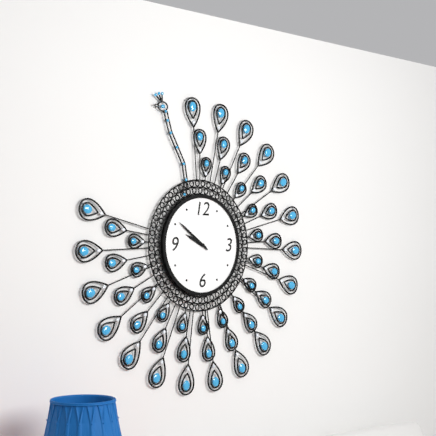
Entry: 9h51
